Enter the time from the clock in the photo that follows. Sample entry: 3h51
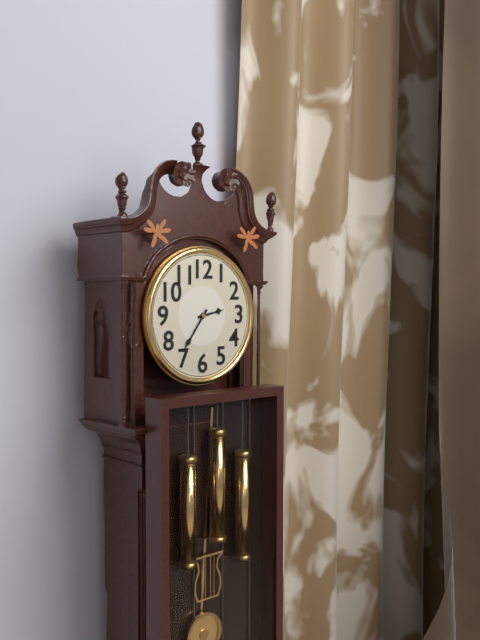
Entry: 2h36
